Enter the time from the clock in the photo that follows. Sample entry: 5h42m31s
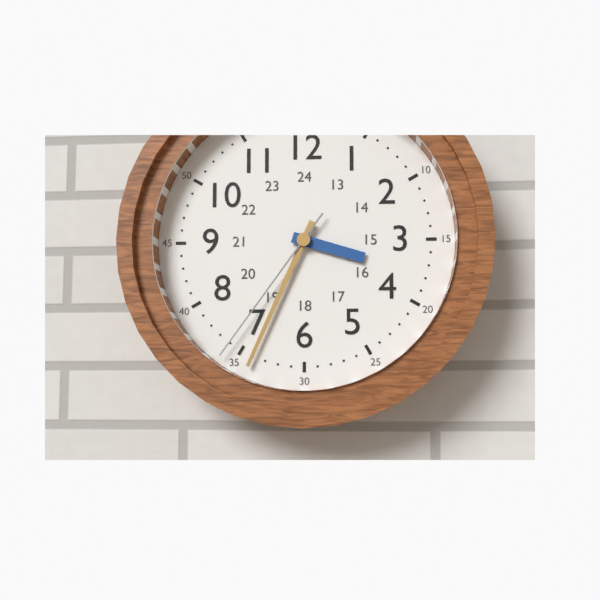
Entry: 3h34m36s
